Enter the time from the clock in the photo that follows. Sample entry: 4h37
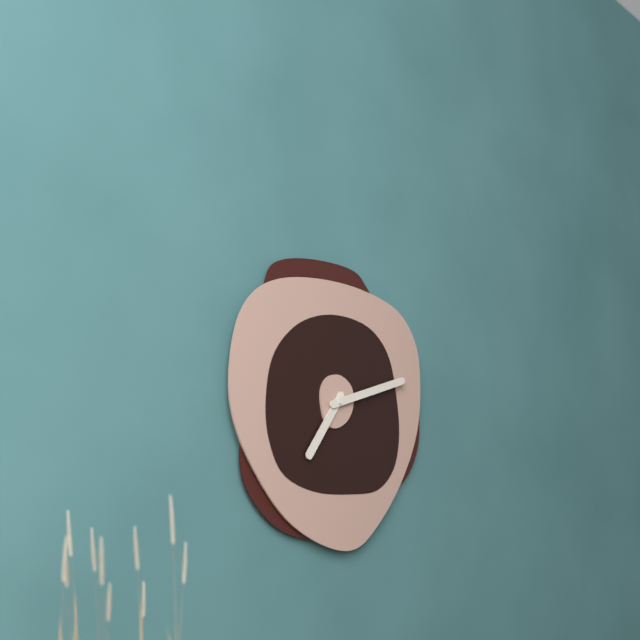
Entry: 7h12
